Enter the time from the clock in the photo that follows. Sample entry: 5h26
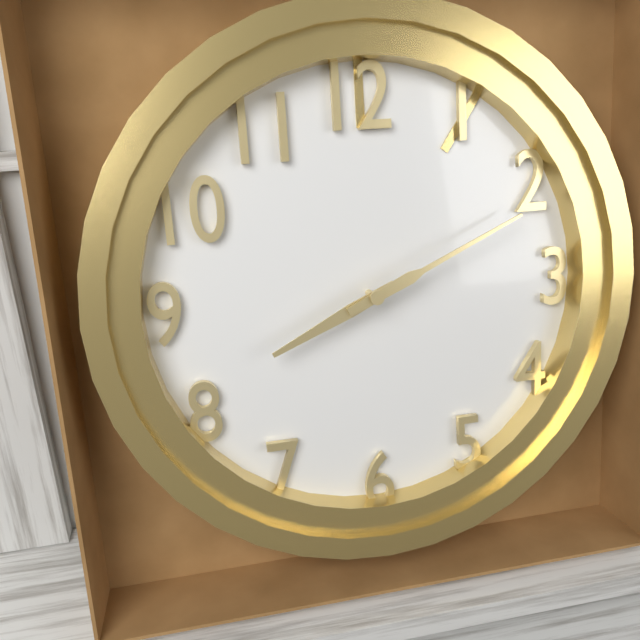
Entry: 8h11
